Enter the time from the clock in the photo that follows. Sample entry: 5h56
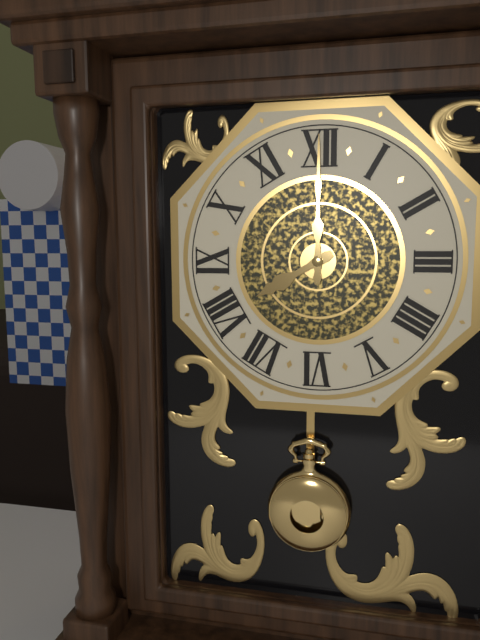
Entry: 8h00
